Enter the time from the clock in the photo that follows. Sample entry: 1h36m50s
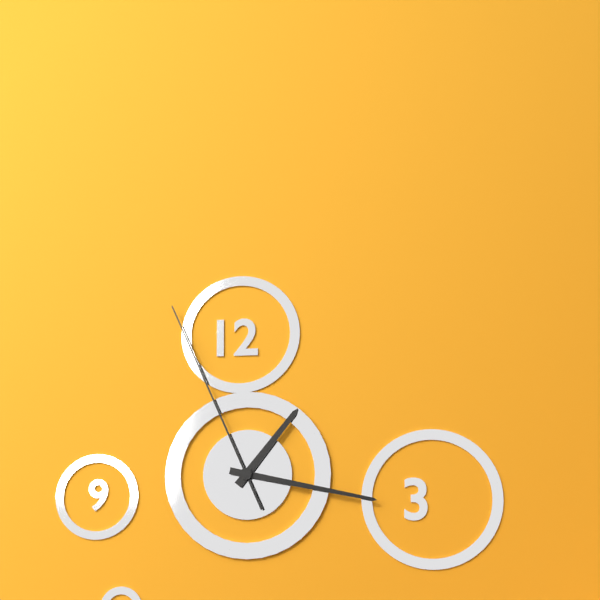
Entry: 1h17m56s
